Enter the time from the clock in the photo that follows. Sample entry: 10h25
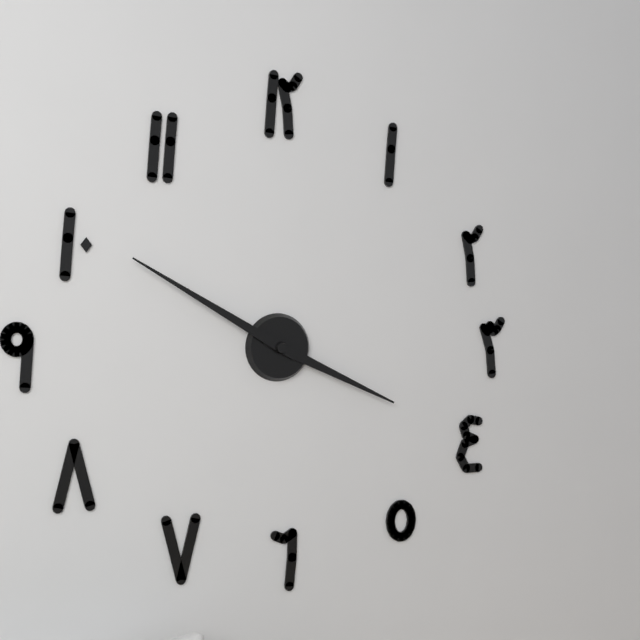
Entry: 3h50
